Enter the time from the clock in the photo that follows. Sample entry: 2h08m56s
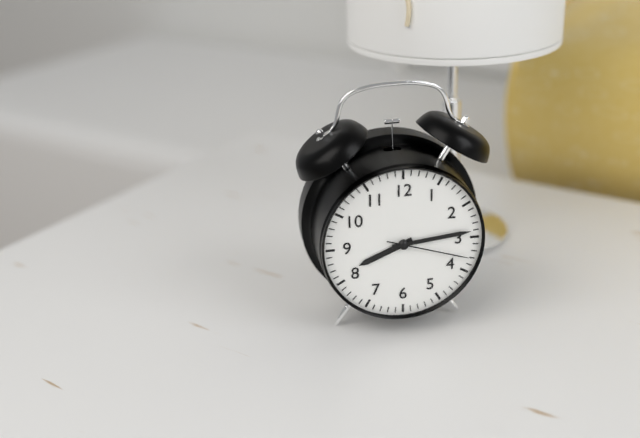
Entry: 8h14m18s
